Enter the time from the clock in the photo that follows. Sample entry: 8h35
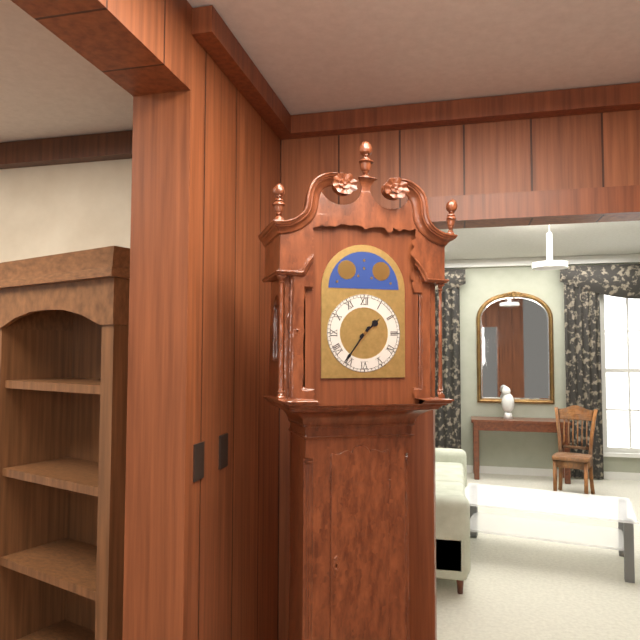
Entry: 1h36
